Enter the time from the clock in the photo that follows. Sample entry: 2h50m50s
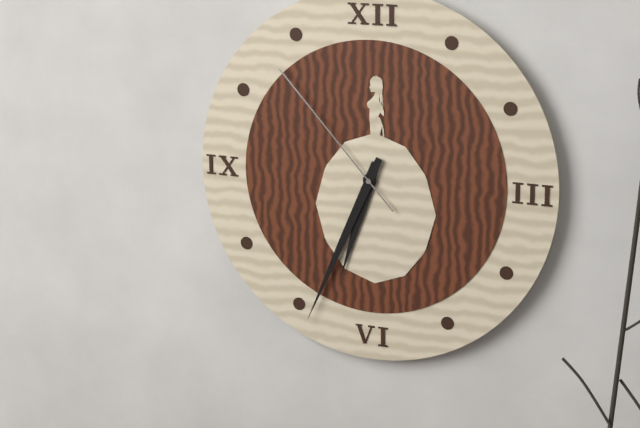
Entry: 6h34m53s
